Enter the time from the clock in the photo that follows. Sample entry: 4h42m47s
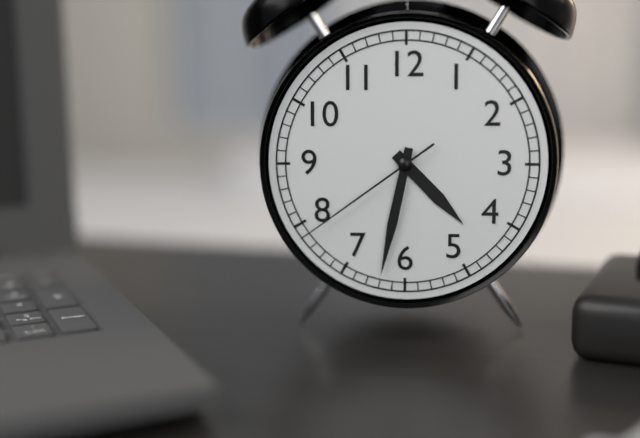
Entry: 4h32m39s
